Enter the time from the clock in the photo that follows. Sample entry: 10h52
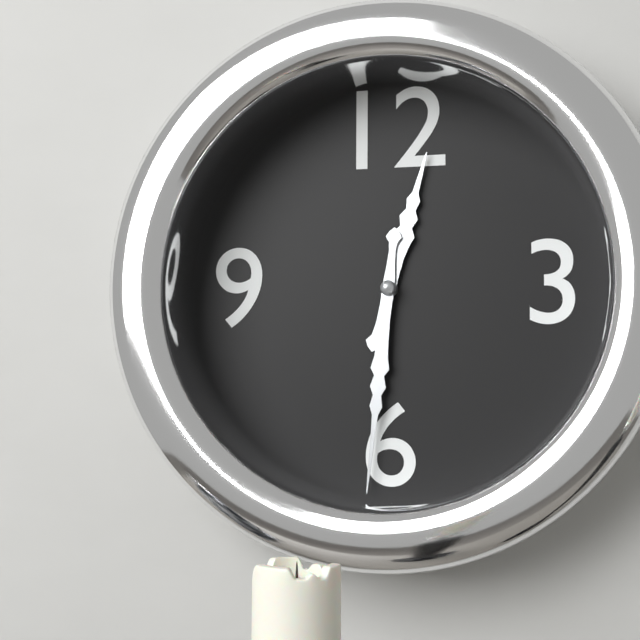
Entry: 12h31
